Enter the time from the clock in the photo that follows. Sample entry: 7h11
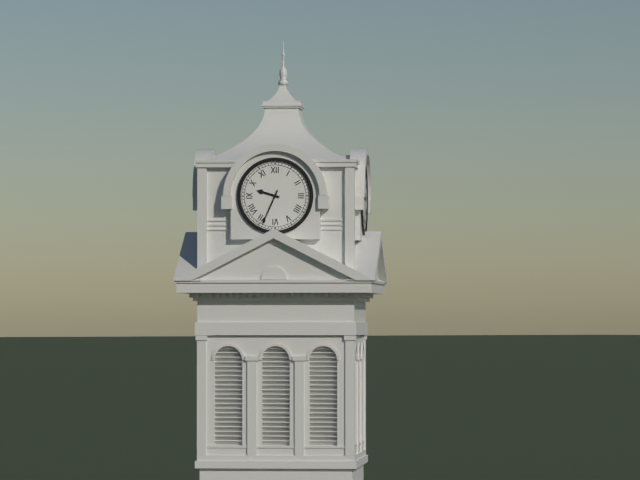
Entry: 9h34
